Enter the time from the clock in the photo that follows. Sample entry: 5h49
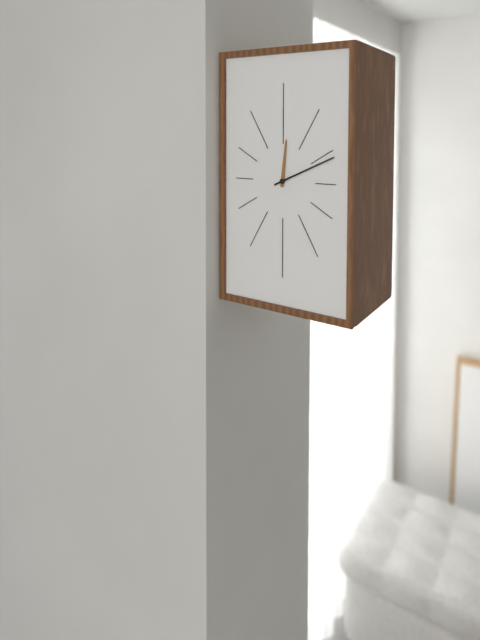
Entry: 12h11
